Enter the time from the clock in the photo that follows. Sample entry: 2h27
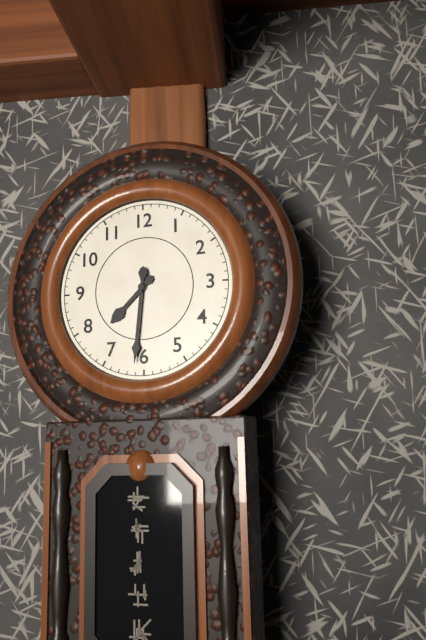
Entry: 7h31
